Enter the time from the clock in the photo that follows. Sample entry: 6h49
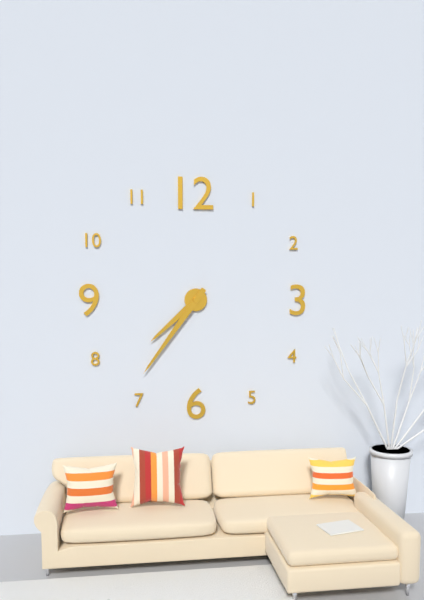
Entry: 7h36
